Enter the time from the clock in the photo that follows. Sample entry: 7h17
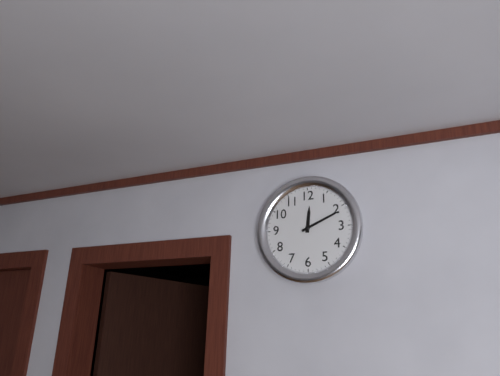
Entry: 12h11
